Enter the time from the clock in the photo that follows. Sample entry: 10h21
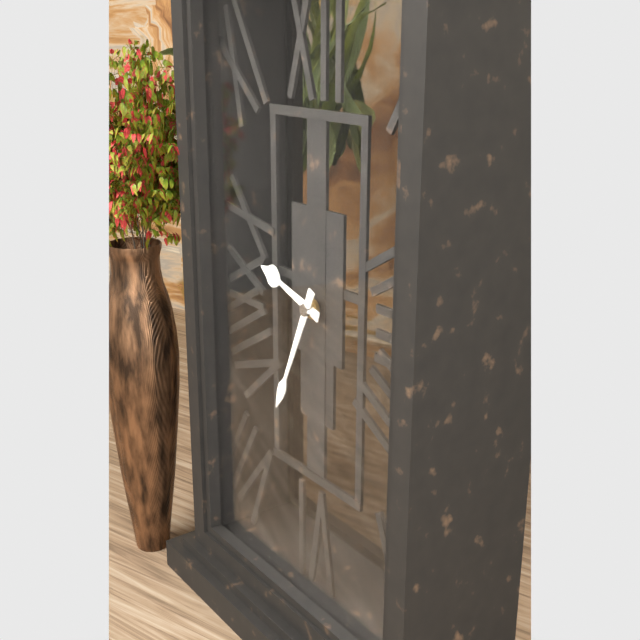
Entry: 9h34
